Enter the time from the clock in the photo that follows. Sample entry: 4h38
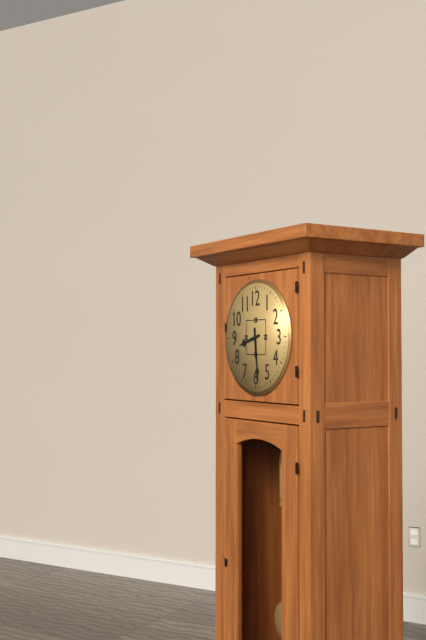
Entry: 8h29
